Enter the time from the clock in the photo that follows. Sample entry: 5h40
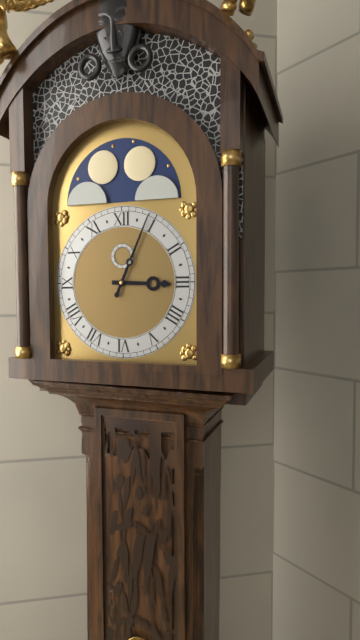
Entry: 3h04
